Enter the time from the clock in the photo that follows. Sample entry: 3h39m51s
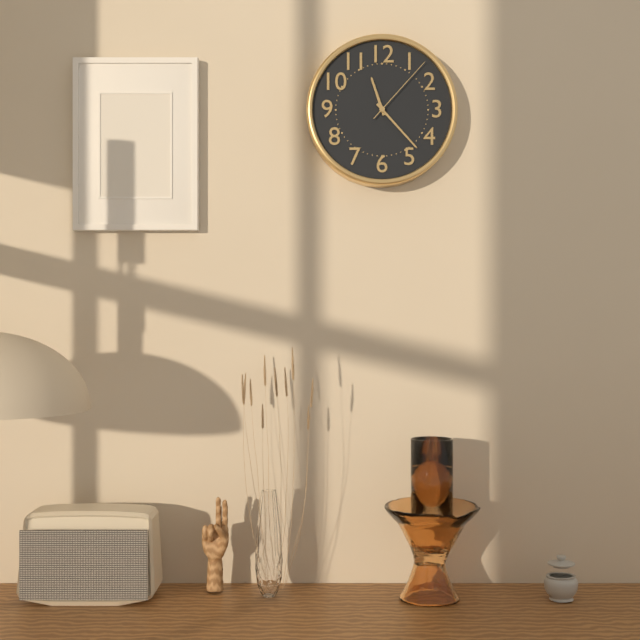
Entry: 11h23m07s
